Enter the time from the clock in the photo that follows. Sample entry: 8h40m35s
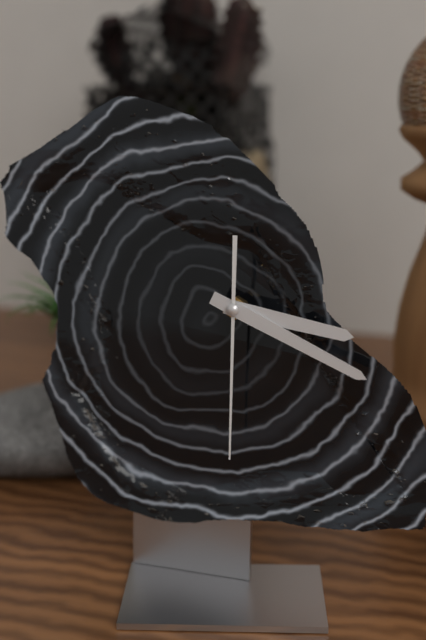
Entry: 3h19m30s
